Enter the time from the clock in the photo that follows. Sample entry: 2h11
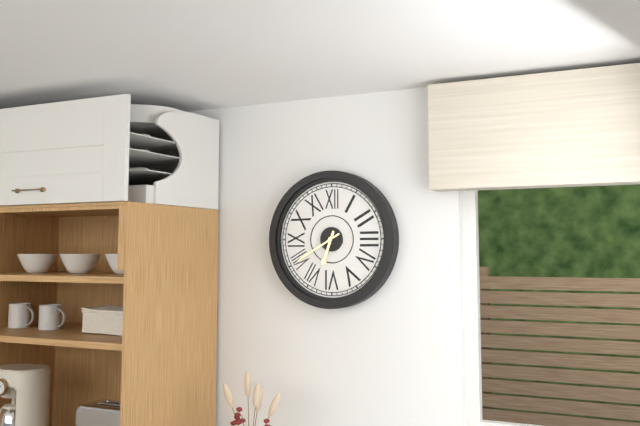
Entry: 6h40
